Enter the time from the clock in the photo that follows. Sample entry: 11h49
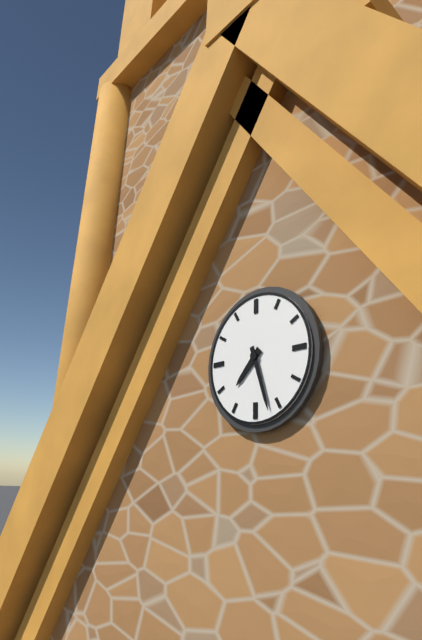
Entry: 7h27
